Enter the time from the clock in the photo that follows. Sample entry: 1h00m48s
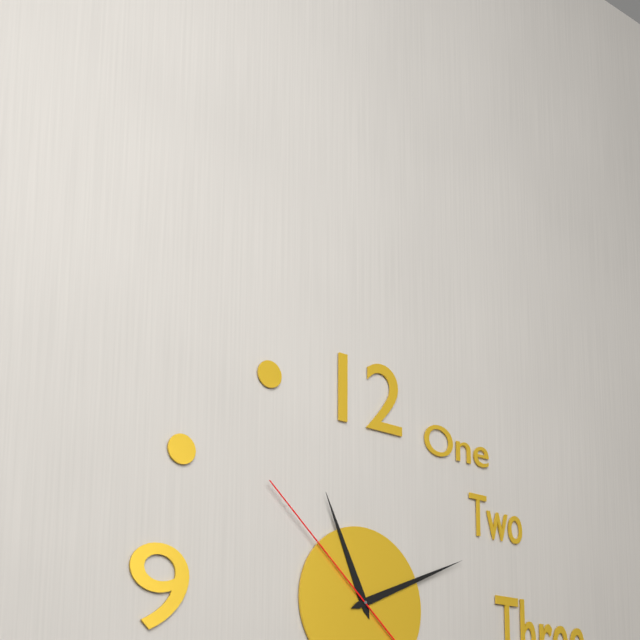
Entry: 11h11m52s
